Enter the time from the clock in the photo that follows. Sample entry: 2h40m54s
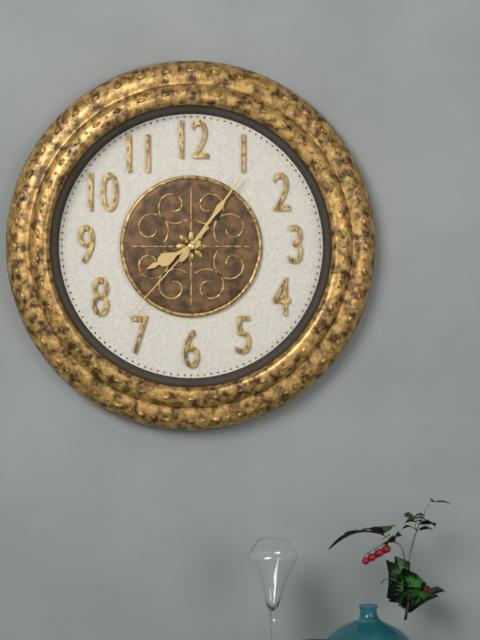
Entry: 8h06m37s
